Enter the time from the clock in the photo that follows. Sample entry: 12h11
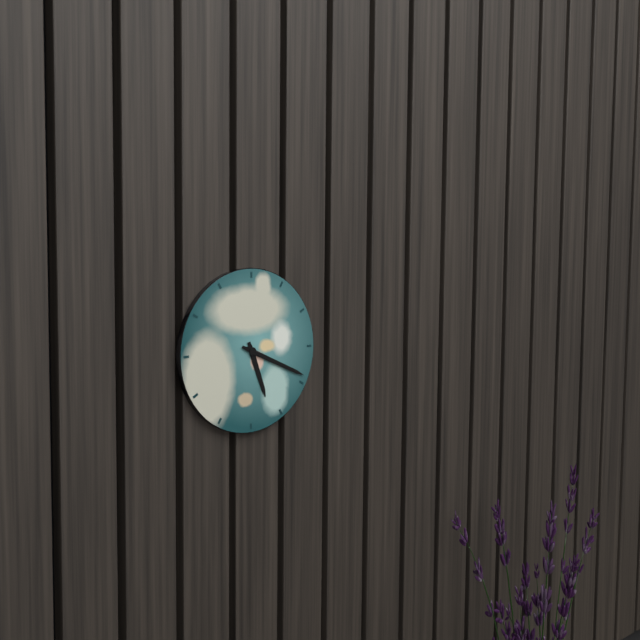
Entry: 5h19
